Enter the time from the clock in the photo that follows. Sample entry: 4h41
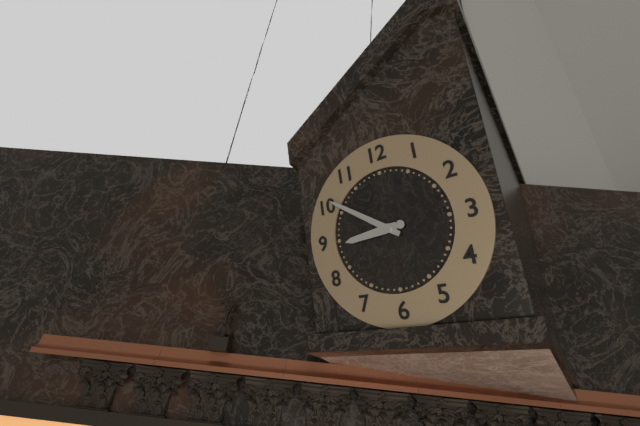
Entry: 8h51
